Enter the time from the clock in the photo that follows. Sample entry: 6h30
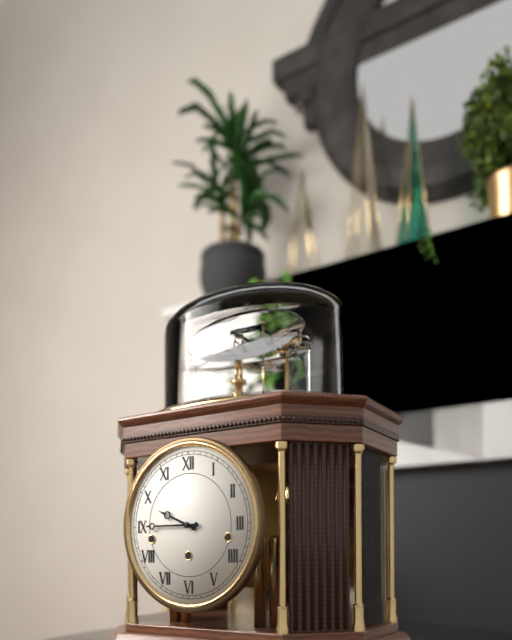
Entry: 9h45
